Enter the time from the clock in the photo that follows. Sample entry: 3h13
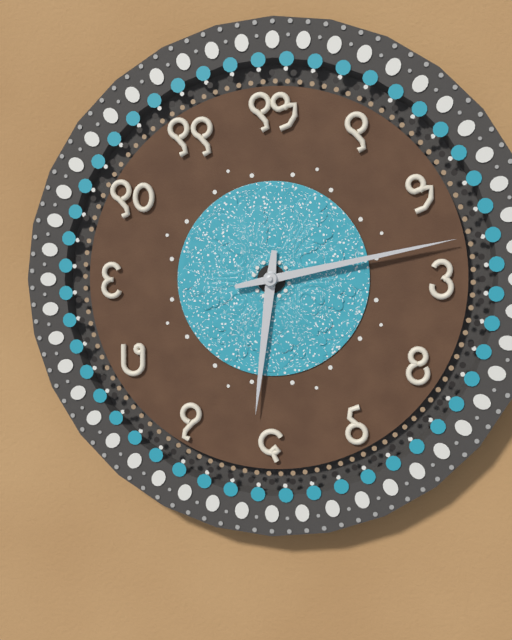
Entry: 6h13
